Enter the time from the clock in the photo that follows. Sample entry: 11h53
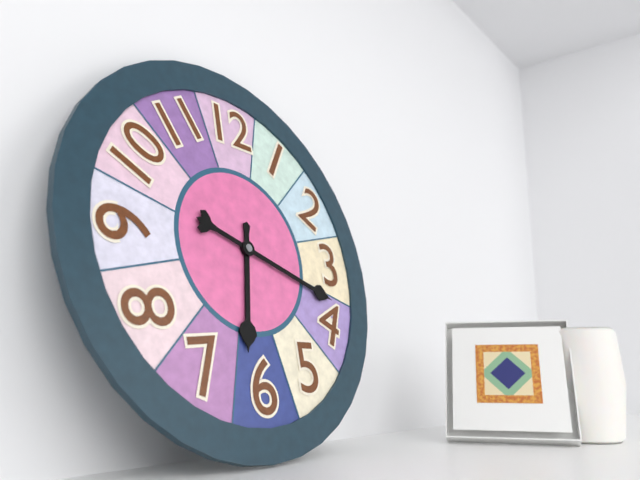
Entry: 6h18
